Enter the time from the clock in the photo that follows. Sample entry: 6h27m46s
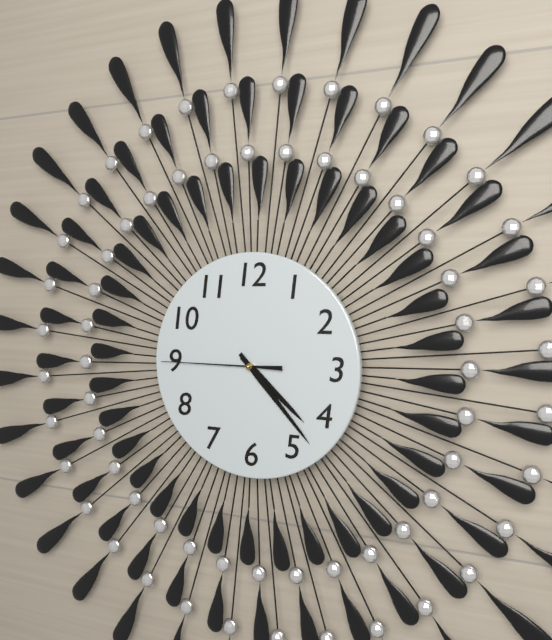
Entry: 4h23m45s
